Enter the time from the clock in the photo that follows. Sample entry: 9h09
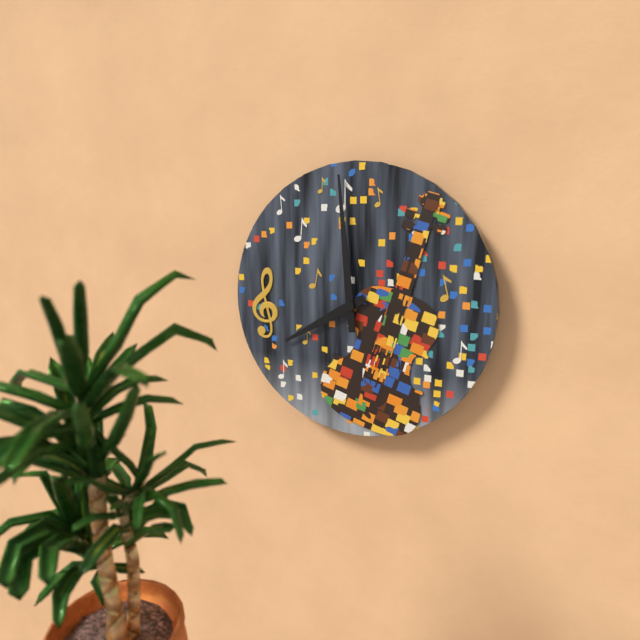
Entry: 7h59
